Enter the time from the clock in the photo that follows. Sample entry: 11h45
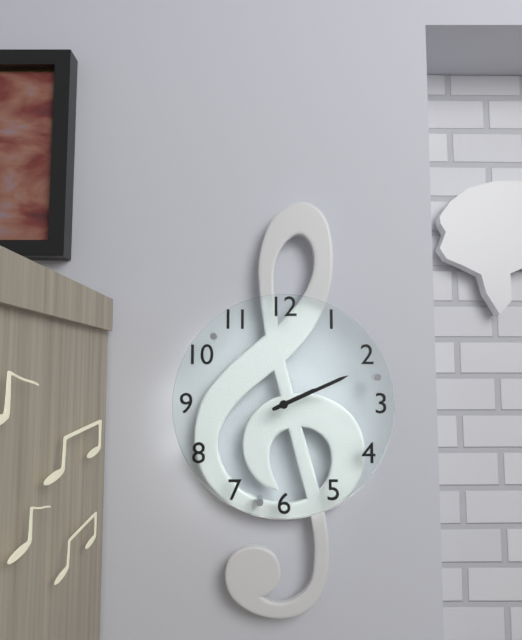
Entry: 2h11
